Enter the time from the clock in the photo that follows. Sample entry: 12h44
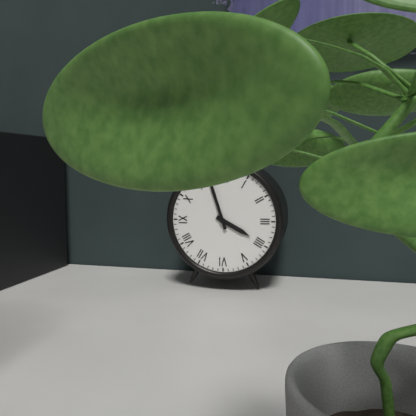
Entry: 3h57
